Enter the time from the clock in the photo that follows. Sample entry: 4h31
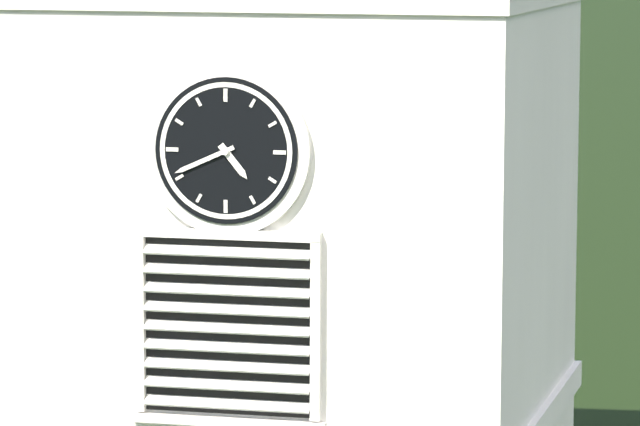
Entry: 4h41
